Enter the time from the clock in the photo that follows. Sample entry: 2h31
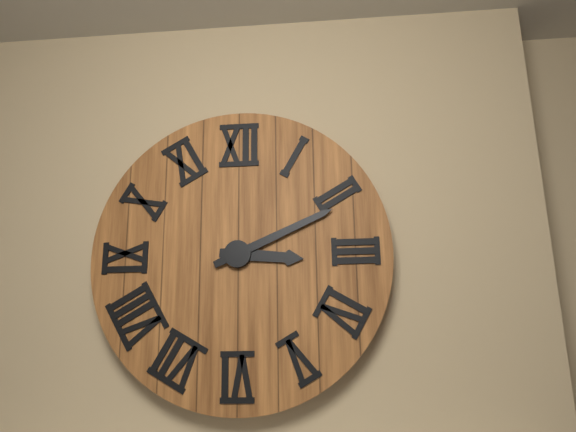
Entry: 3h11
